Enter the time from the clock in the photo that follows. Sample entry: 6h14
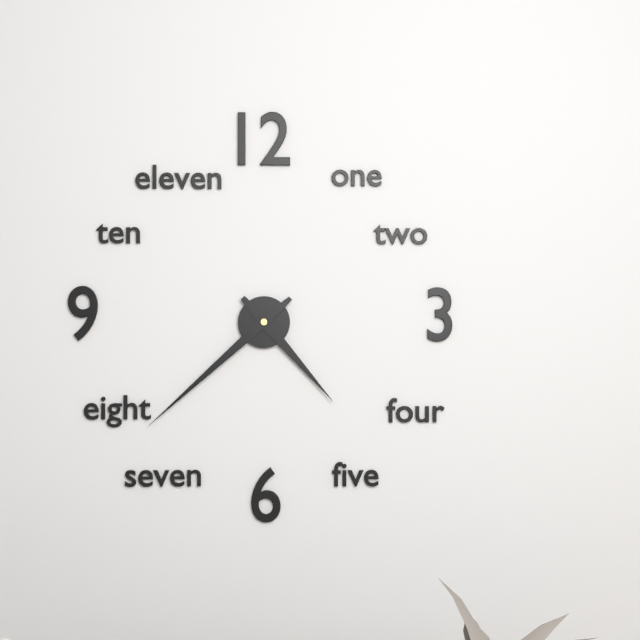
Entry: 4h38
